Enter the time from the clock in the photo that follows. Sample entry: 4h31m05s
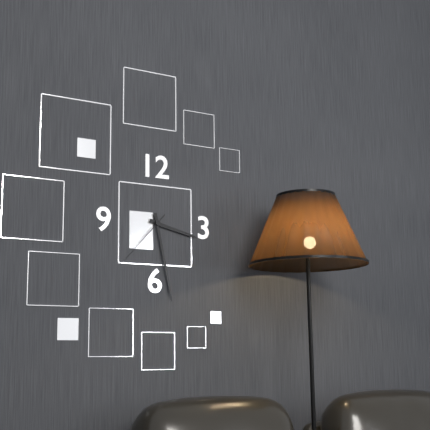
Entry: 3h28m37s
